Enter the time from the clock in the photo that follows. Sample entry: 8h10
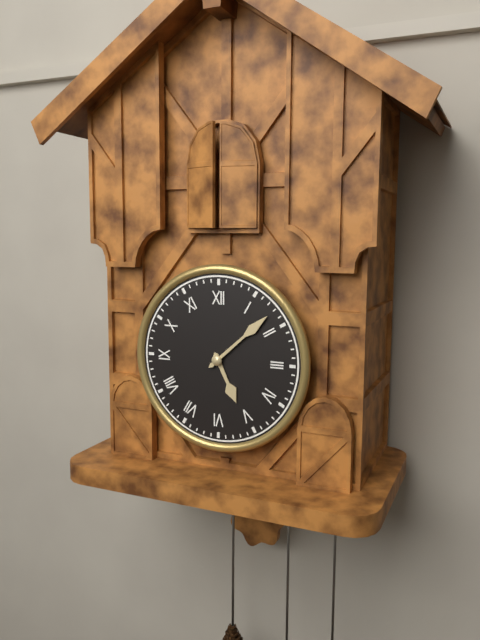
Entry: 5h08
